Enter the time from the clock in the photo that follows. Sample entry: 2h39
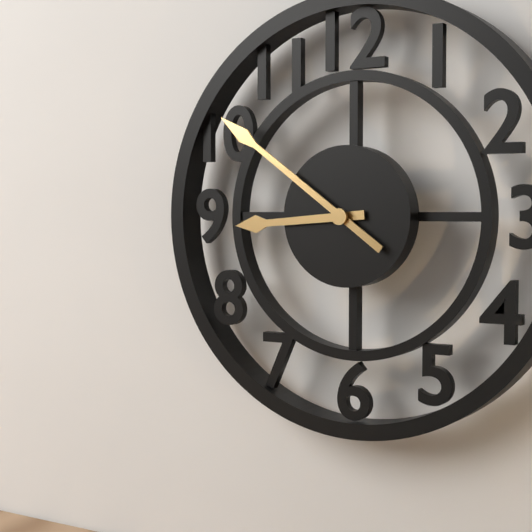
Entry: 8h51
